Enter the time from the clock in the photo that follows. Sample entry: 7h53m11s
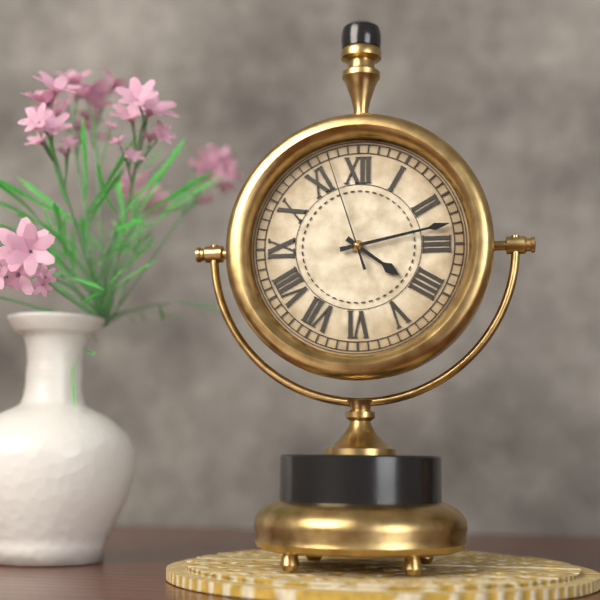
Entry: 4h13m57s
